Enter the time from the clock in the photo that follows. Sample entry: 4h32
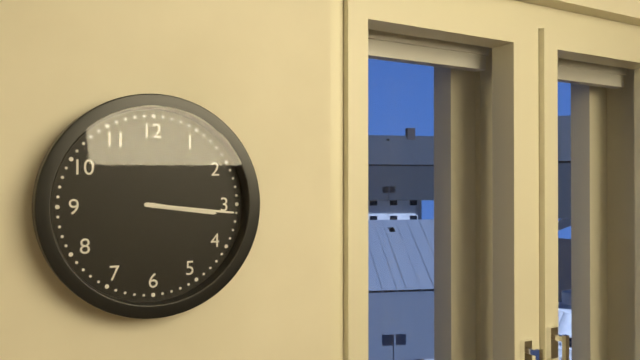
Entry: 3h16
